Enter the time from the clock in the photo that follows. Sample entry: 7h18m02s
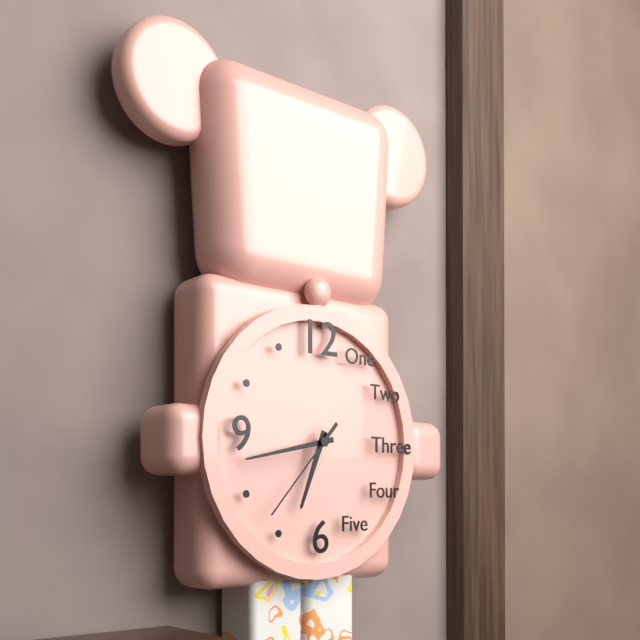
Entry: 6h43m37s
